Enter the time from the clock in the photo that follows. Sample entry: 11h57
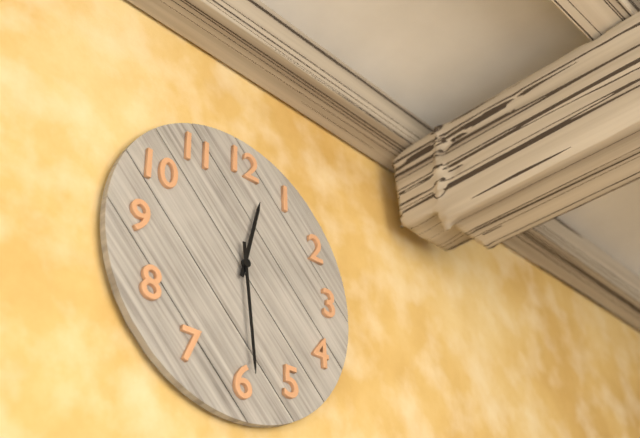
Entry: 12h29
